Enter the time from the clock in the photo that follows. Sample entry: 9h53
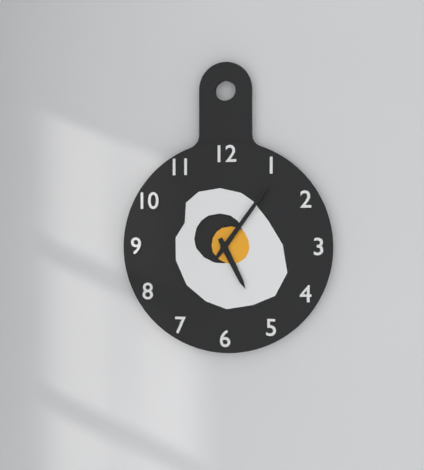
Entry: 5h06
